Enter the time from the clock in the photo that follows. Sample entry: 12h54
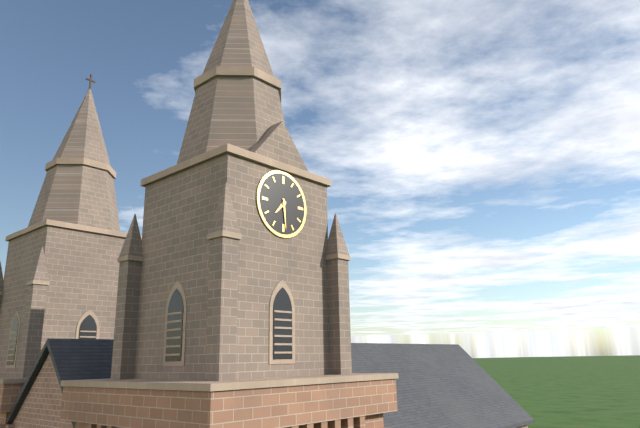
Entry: 7h29
